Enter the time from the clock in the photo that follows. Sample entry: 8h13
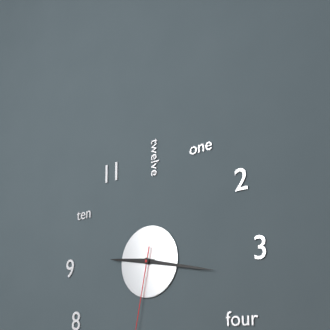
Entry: 9h17
